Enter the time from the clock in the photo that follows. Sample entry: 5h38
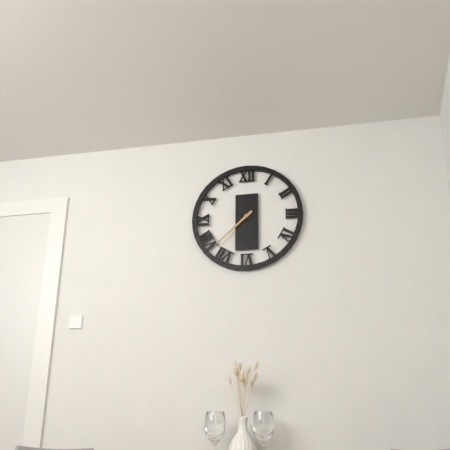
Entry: 7h38
